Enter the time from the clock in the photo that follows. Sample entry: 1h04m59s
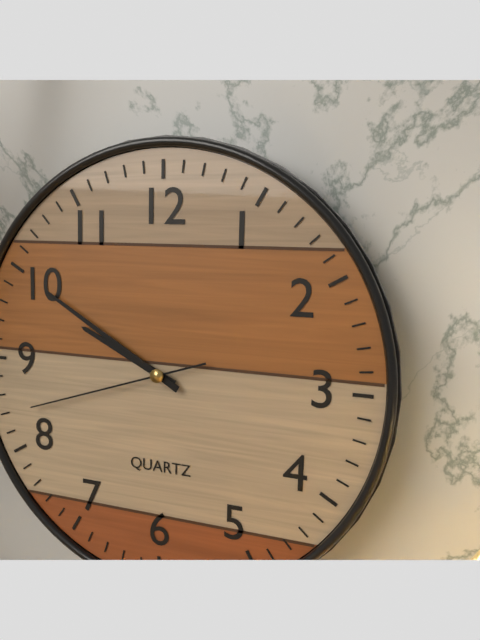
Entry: 9h50m42s
